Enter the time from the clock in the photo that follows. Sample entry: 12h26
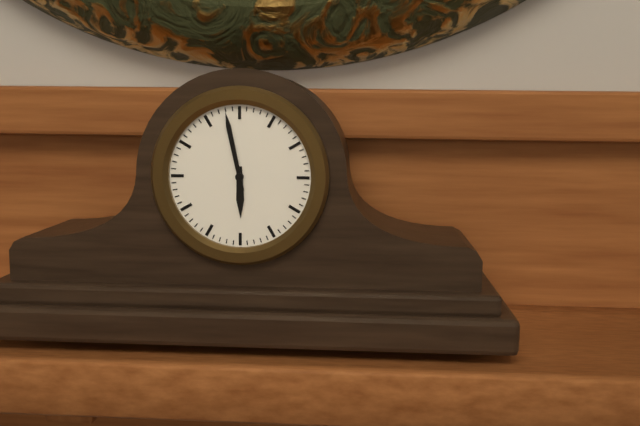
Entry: 5h58
